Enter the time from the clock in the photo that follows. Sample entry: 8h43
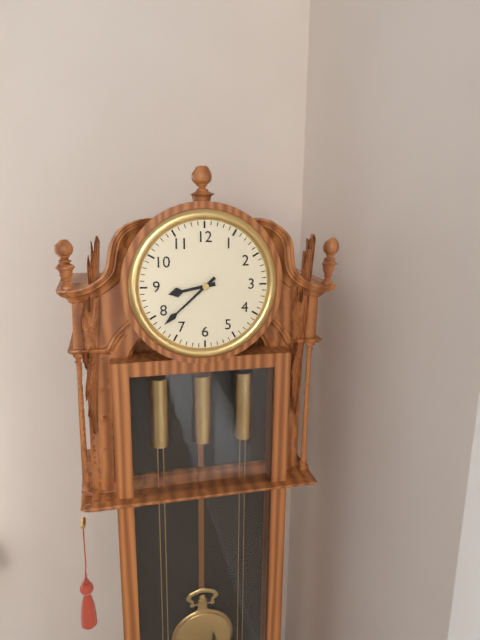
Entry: 8h38
